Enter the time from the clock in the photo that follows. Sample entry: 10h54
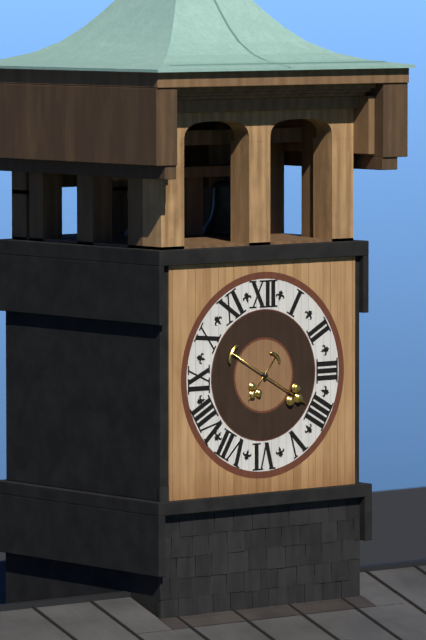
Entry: 7h20
